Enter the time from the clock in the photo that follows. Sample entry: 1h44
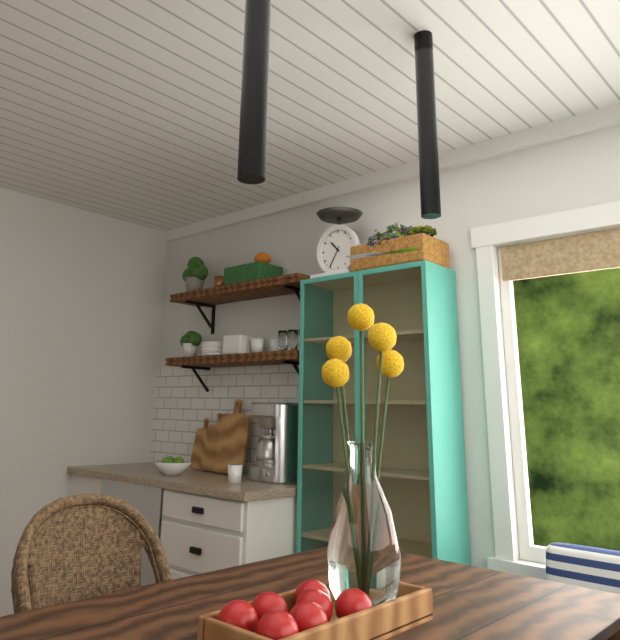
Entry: 10h35
